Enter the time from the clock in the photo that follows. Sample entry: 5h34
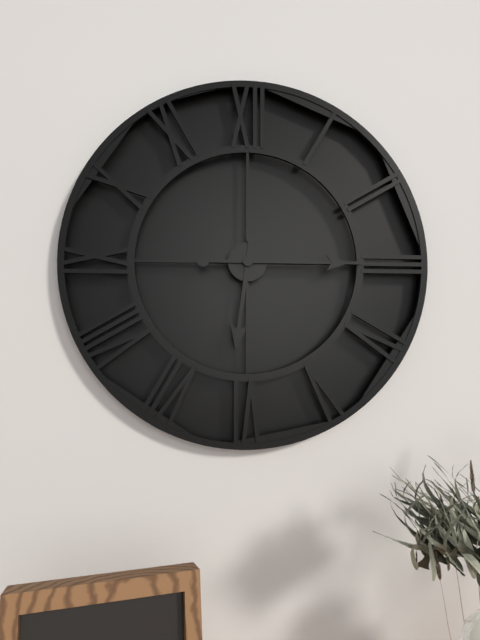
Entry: 6h15
